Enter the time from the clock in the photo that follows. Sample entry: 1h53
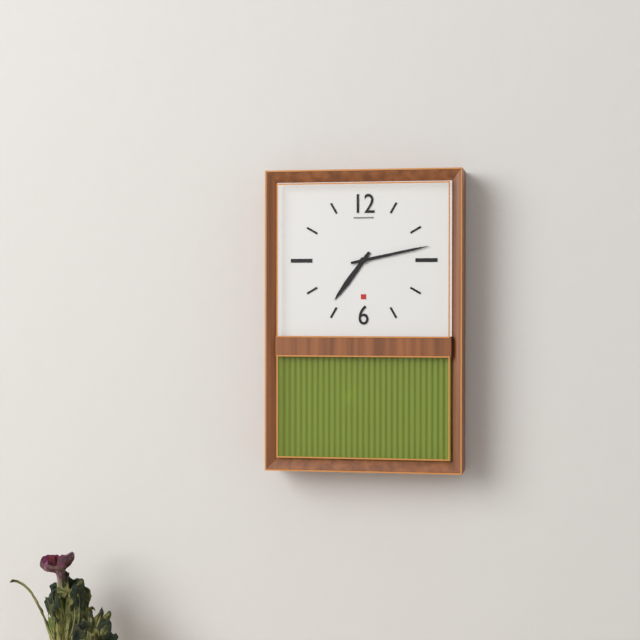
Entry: 7h13
